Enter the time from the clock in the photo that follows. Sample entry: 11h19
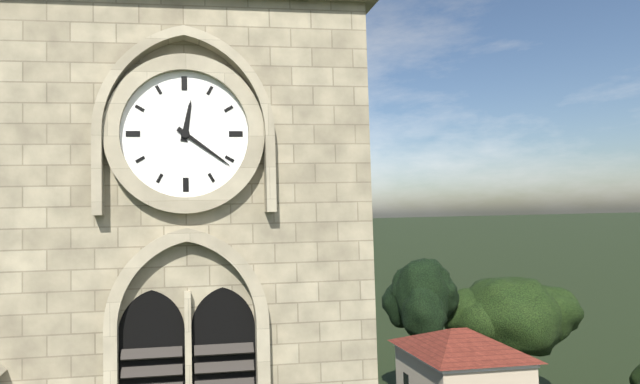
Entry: 12h21
